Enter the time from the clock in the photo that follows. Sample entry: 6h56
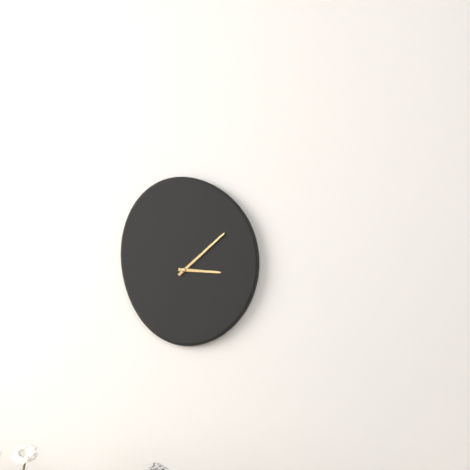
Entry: 3h08
